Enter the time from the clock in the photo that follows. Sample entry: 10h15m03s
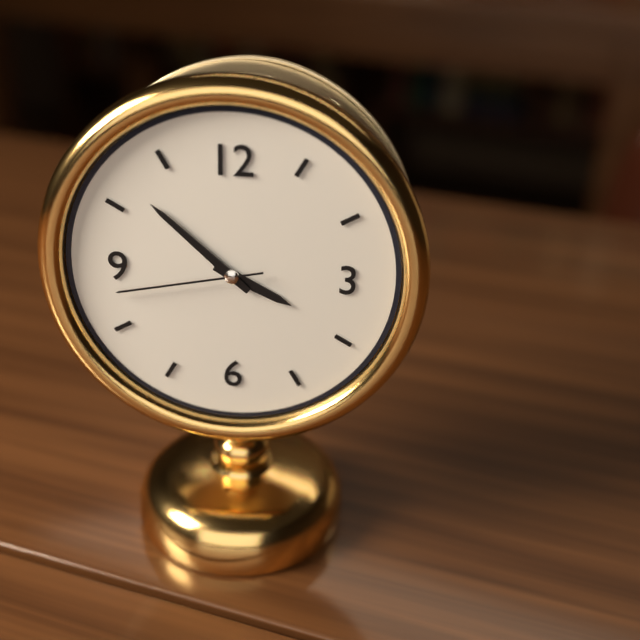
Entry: 3h52m43s
